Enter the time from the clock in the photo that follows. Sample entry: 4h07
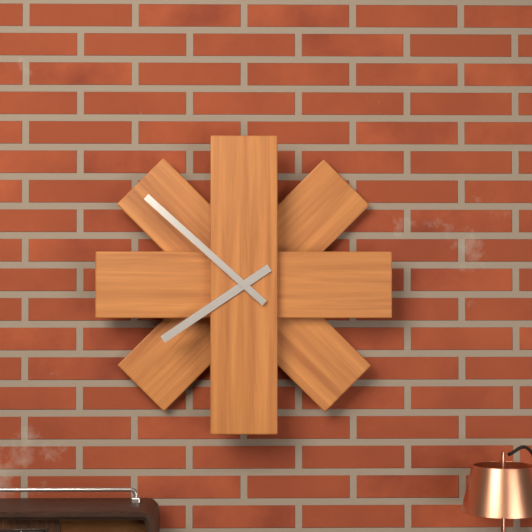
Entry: 7h52
